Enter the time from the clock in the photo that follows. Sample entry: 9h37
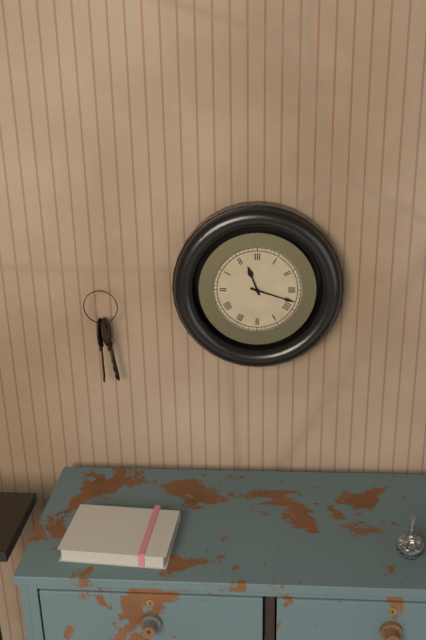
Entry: 11h18
